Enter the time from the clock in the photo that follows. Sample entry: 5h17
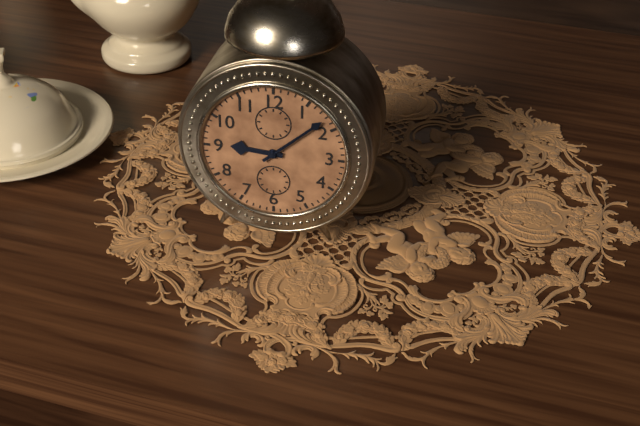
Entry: 9h08
